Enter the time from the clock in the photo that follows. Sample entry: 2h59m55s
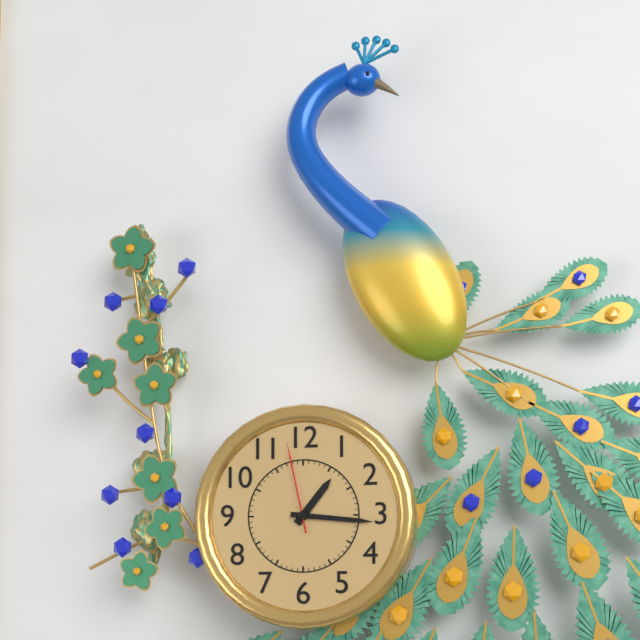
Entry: 1h16m58s
